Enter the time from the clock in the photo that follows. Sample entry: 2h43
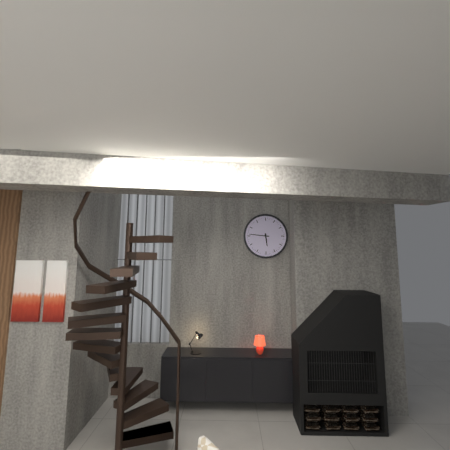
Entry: 5h46
